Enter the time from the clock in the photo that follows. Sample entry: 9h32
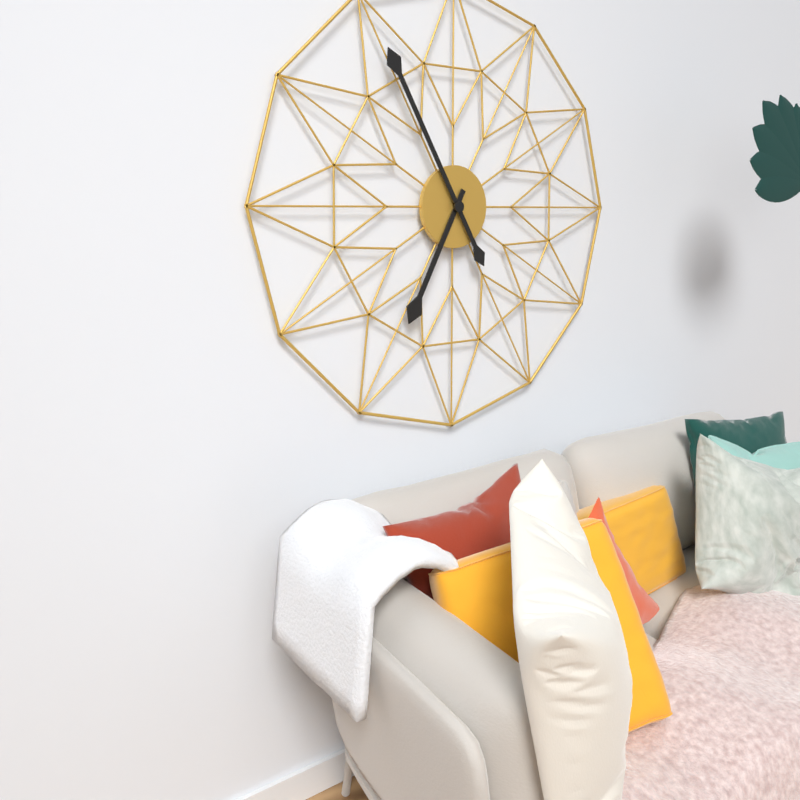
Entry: 6h55
